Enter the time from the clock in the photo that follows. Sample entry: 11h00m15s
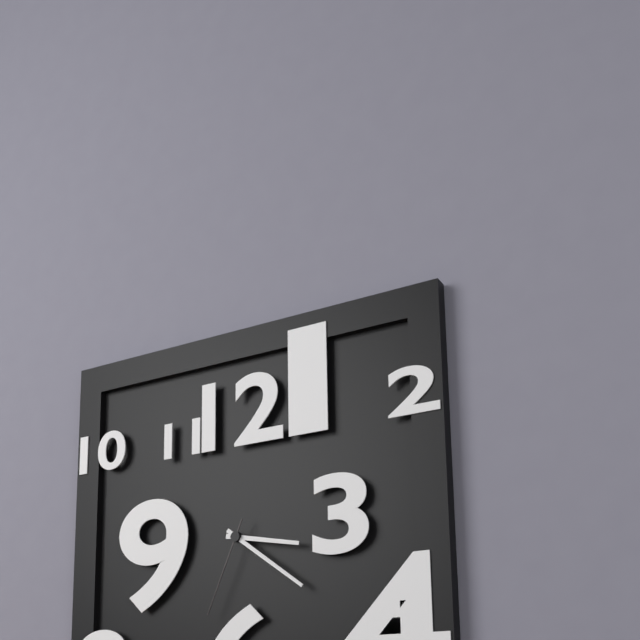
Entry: 3h21m34s
